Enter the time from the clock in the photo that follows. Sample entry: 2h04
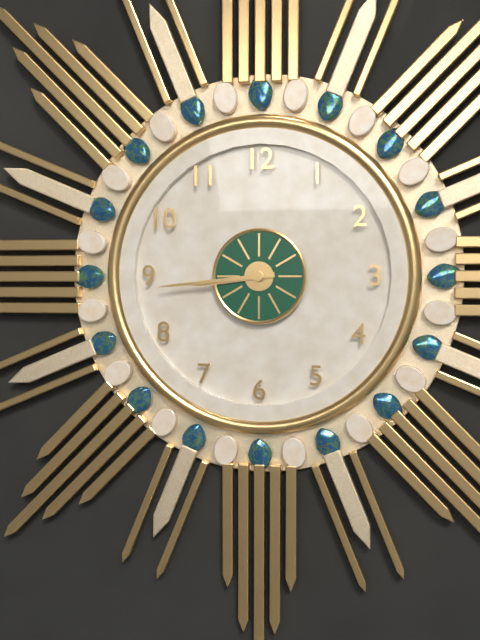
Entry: 8h44
